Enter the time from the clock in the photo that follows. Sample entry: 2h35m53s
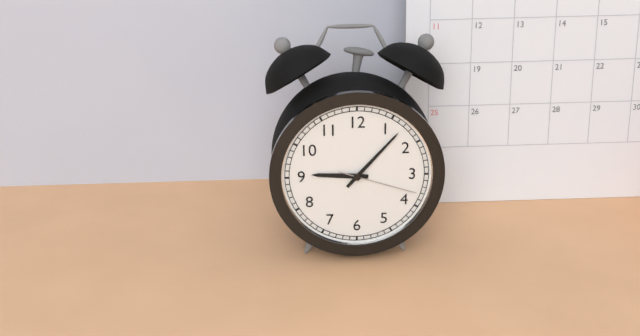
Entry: 9h07m18s
